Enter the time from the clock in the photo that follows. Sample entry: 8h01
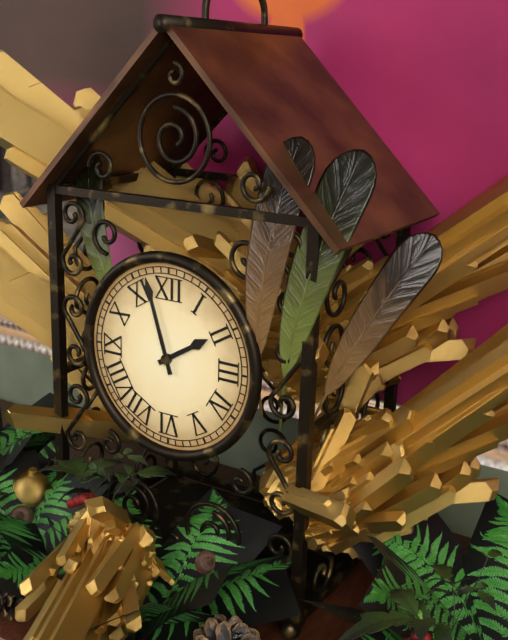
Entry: 1h57
